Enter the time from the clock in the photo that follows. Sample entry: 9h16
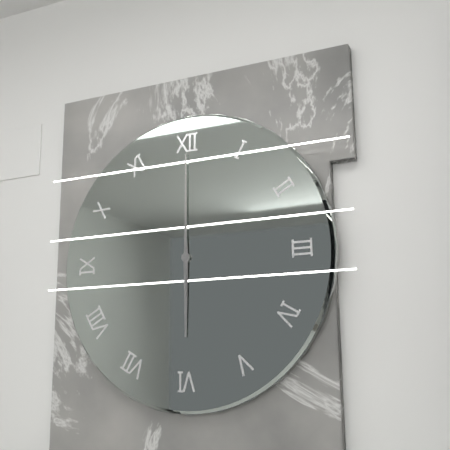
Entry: 6h00
